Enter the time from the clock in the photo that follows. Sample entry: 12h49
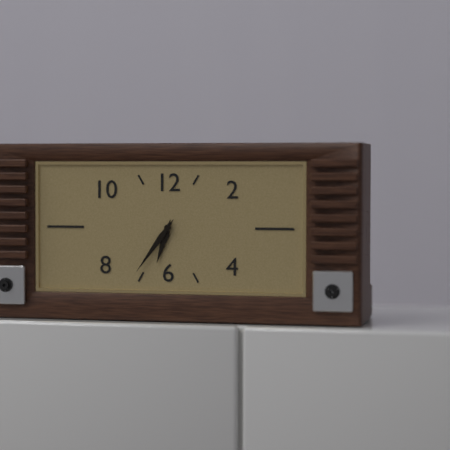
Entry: 6h36
